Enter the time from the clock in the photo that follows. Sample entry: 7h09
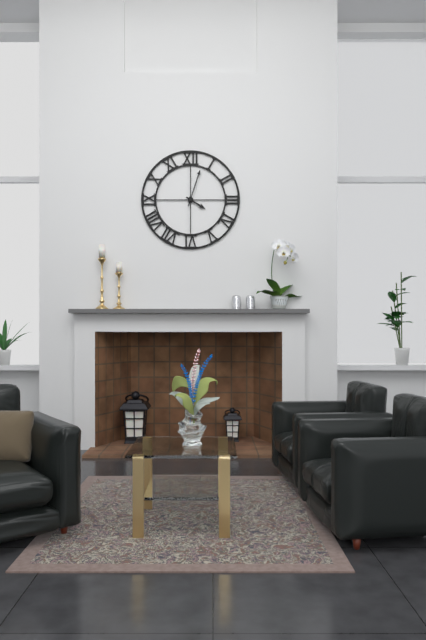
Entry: 4h03
